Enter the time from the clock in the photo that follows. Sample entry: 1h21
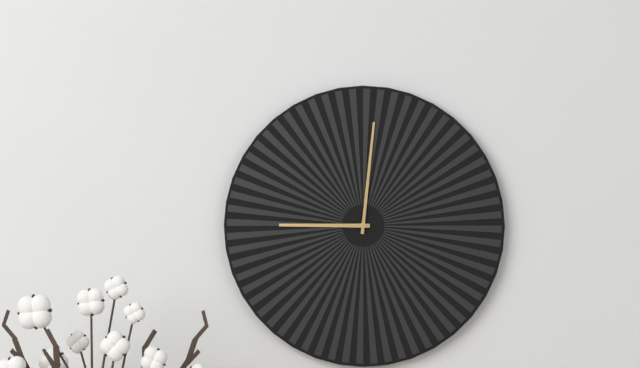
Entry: 9h01
